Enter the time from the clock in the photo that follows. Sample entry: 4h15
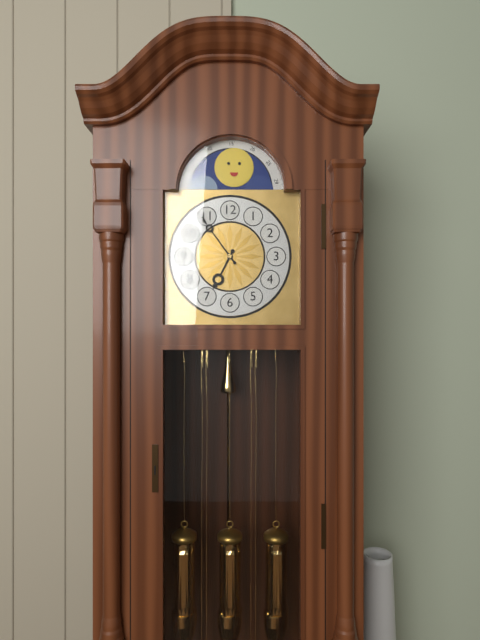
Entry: 6h54
